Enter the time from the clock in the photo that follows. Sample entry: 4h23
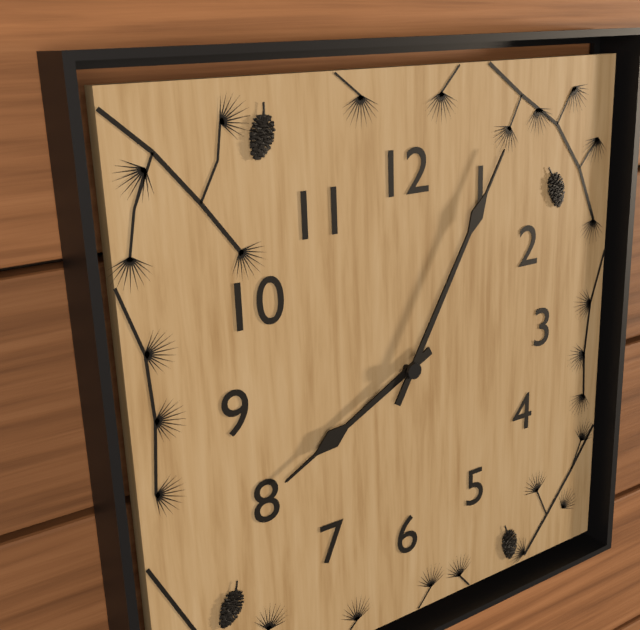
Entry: 8h05
